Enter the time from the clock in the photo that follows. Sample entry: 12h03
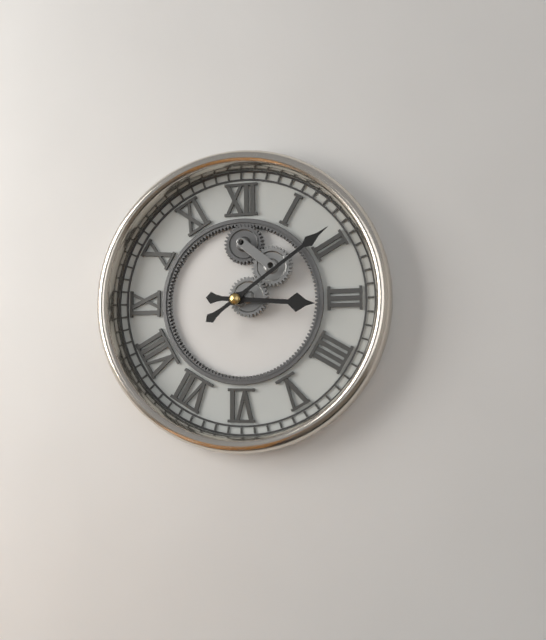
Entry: 3h09
